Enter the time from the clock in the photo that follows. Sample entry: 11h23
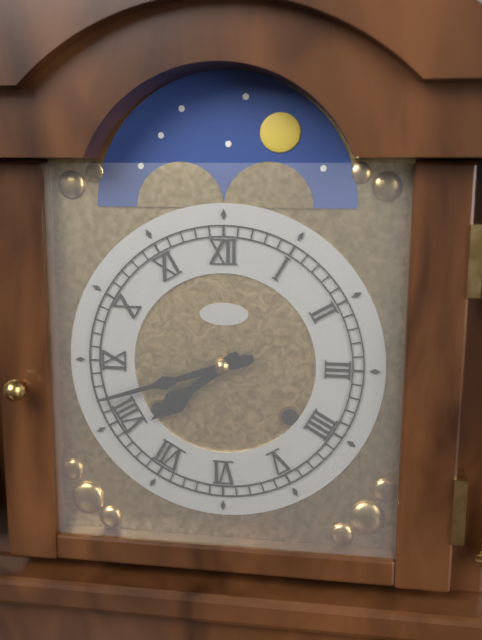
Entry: 7h42
